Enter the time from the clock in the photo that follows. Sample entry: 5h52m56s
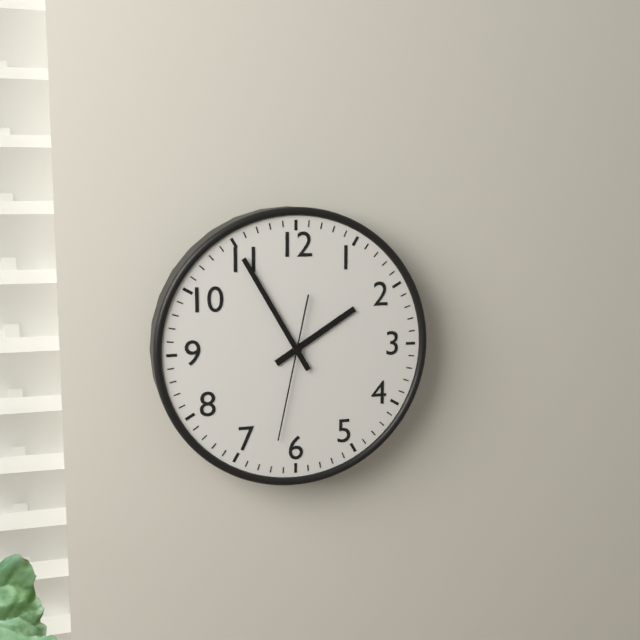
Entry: 1h55m32s
